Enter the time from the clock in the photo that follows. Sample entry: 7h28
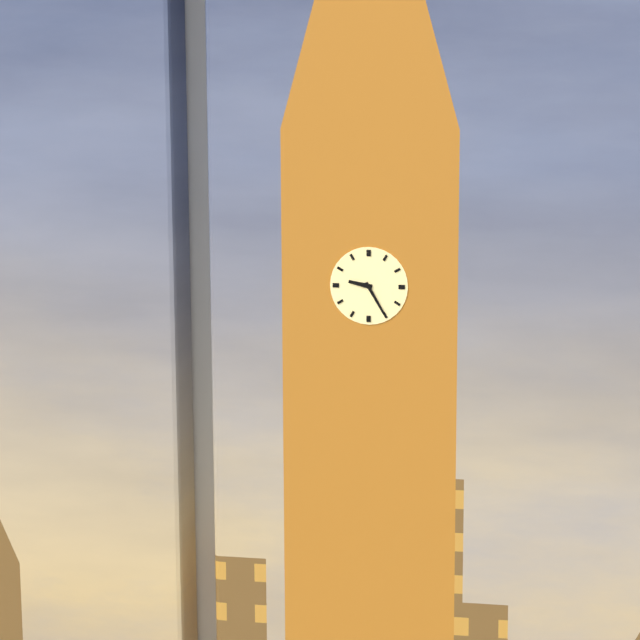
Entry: 9h25
